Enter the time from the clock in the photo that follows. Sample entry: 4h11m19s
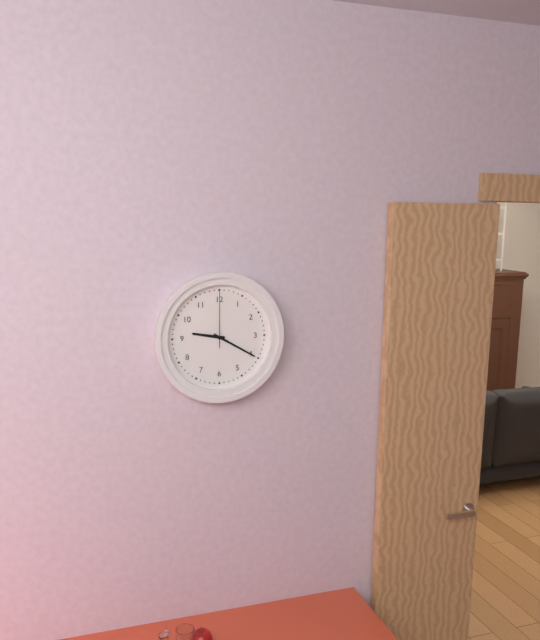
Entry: 9h20m00s
